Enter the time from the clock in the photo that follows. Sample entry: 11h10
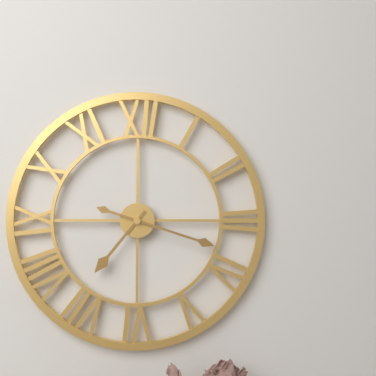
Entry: 7h18
